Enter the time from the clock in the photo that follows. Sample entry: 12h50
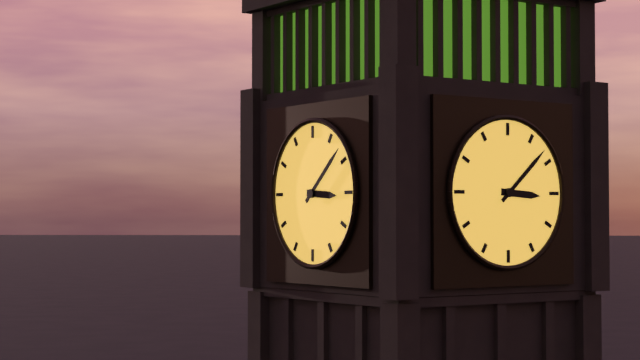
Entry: 3h08
